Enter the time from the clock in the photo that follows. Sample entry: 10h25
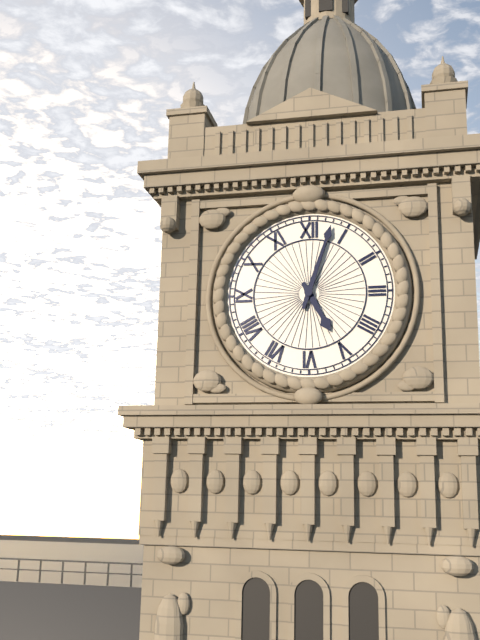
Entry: 5h03
